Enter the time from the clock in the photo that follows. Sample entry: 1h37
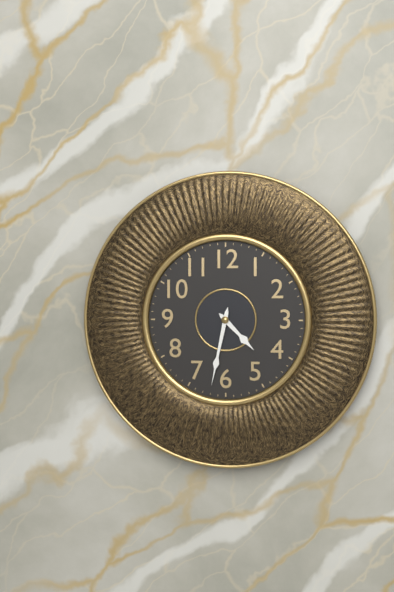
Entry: 4h32
